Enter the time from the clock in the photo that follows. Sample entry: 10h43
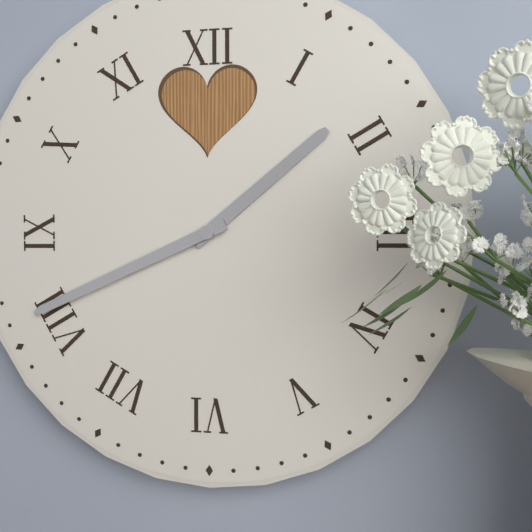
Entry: 1h41
